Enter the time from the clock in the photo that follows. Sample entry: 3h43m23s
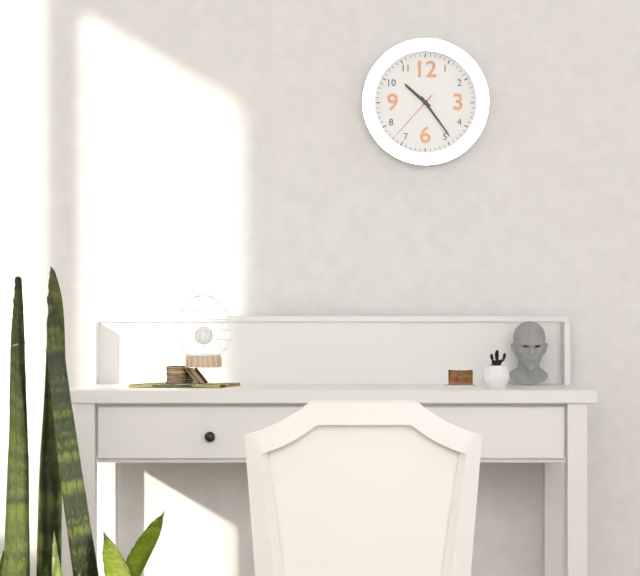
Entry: 10h24m37s
